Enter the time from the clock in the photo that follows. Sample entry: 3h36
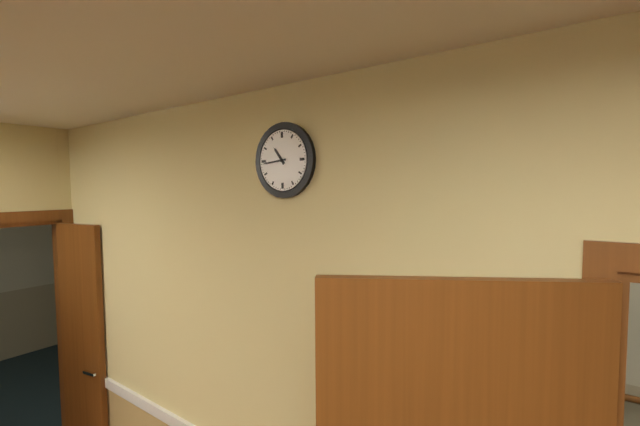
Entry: 10h44
